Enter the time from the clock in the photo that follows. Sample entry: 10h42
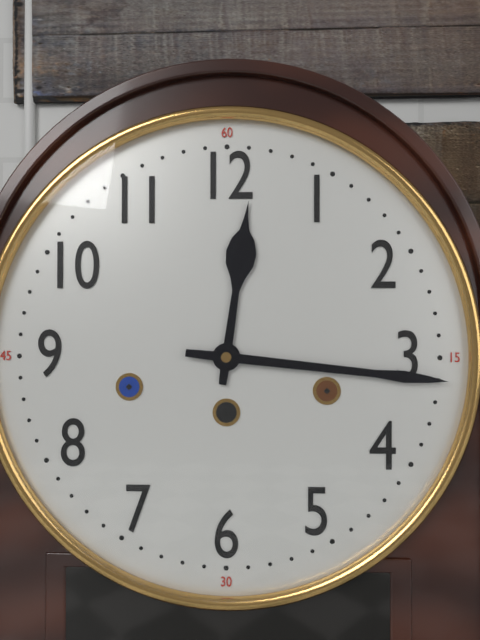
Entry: 12h16
